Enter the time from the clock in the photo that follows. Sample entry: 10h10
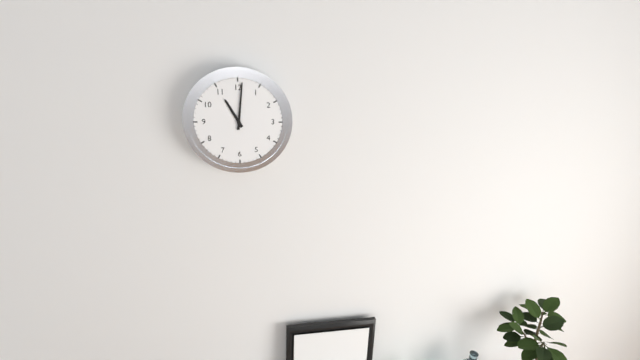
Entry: 11h01
